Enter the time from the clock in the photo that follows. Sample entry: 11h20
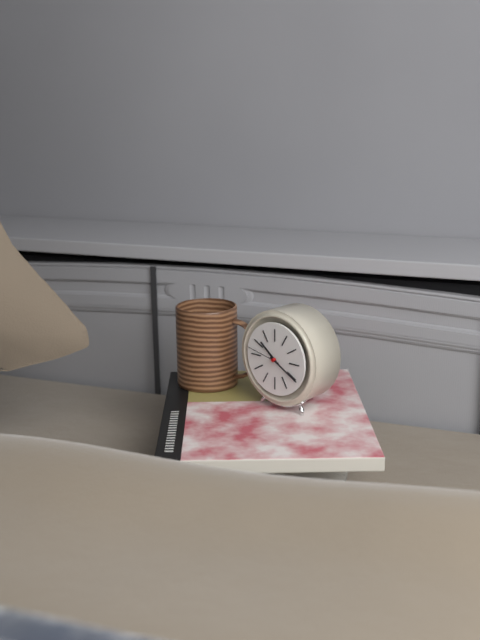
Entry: 10h20
